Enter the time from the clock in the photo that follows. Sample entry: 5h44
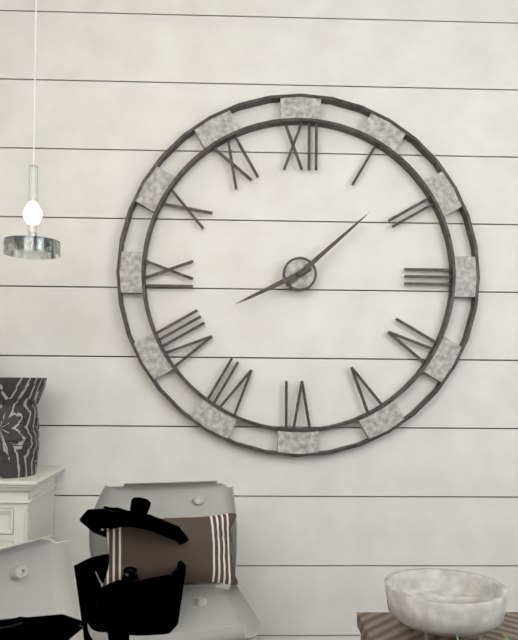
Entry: 8h08
